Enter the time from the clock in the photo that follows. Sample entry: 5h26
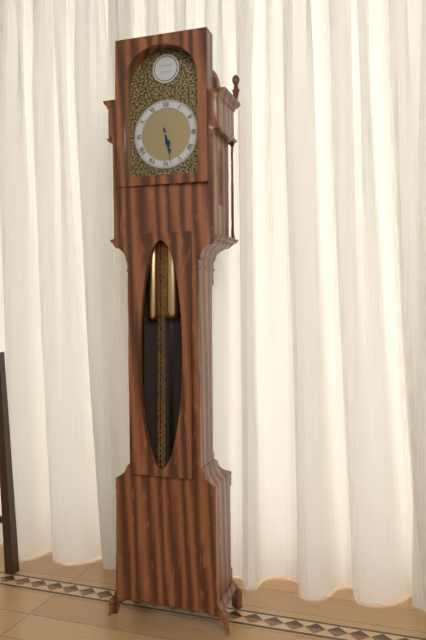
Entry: 5h28
